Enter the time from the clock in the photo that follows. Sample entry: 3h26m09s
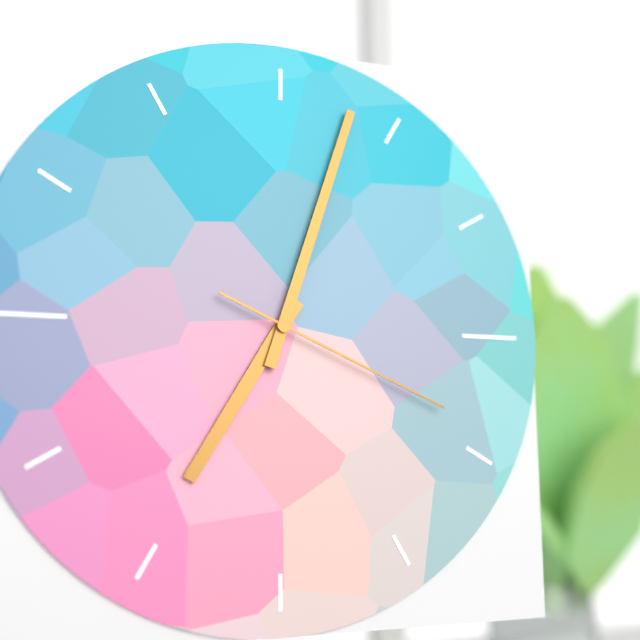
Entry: 7h03m19s
